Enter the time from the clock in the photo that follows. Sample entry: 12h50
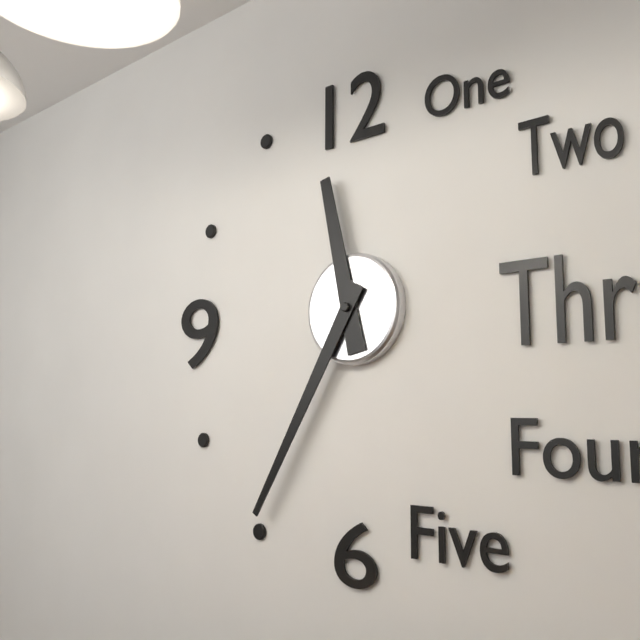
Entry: 11h35
